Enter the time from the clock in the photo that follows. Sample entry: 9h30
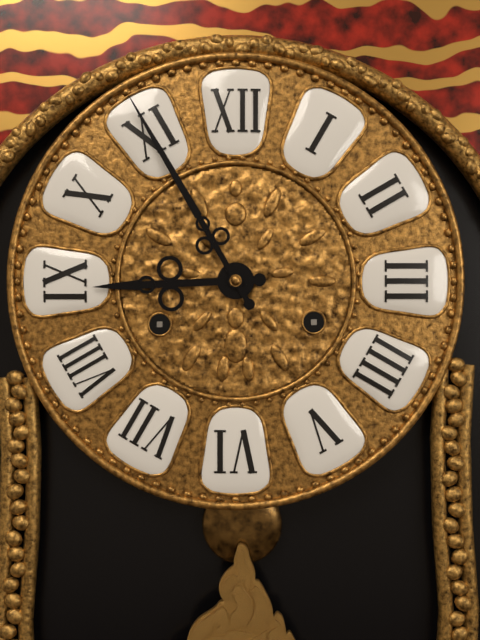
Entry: 8h55
